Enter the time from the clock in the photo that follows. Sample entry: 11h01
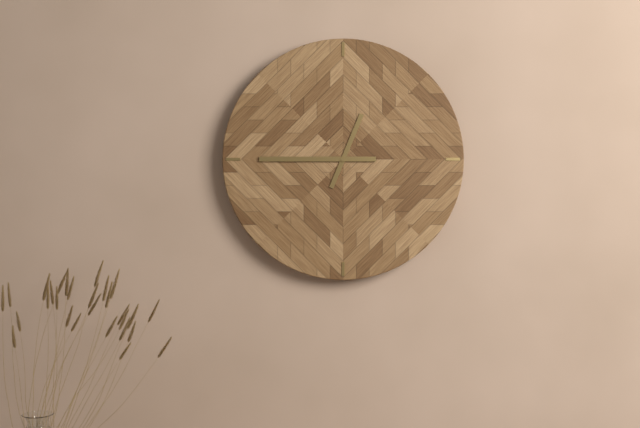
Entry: 12h45
